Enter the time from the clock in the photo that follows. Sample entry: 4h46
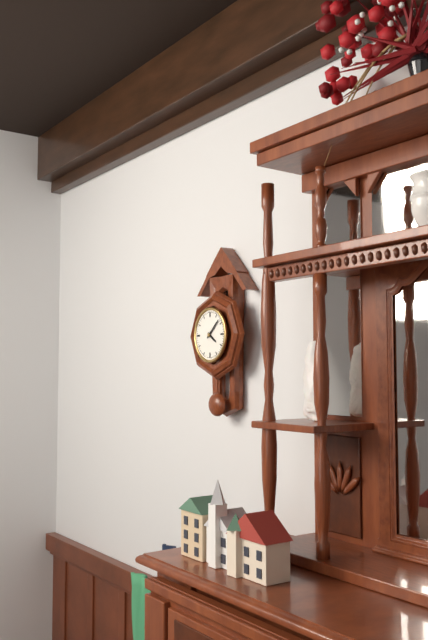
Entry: 4h08
